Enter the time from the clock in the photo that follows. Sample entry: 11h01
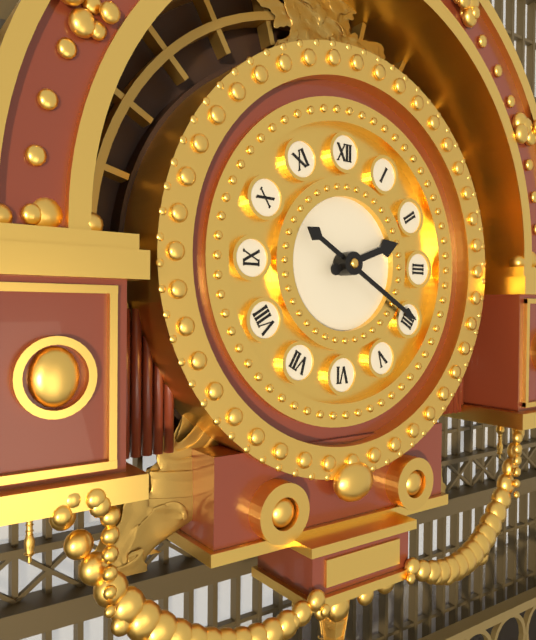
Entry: 2h20
